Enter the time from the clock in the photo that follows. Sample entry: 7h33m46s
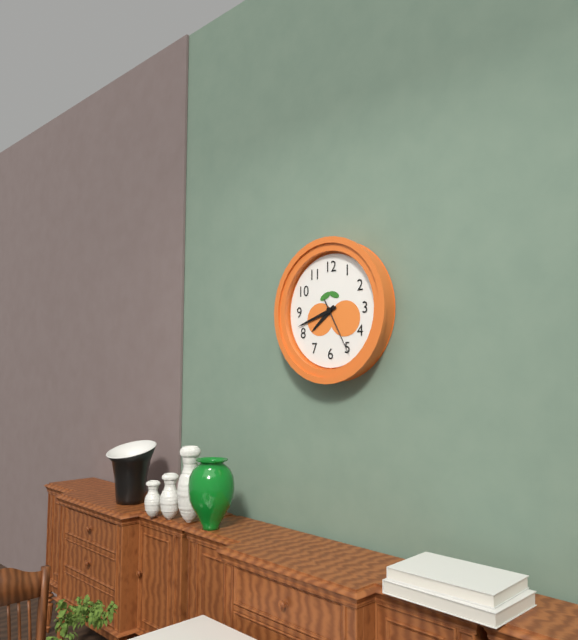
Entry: 7h42m25s
